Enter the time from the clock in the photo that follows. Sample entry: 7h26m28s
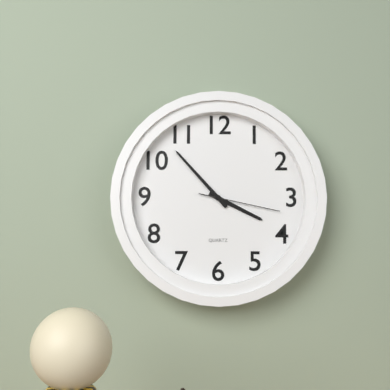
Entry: 3h53m17s
